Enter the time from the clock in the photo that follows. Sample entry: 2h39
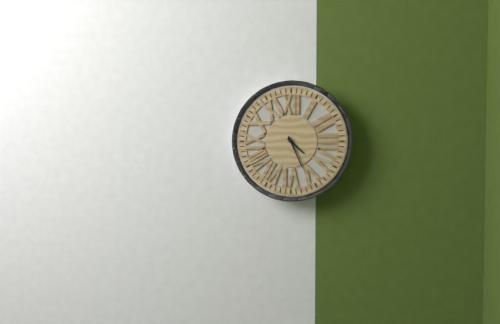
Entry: 4h26
